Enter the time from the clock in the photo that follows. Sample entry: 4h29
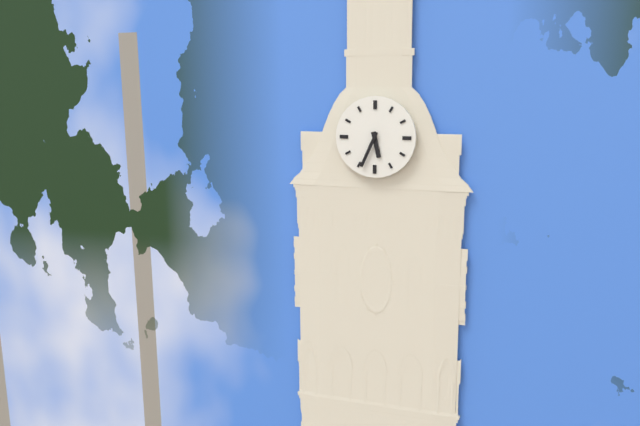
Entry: 5h34
